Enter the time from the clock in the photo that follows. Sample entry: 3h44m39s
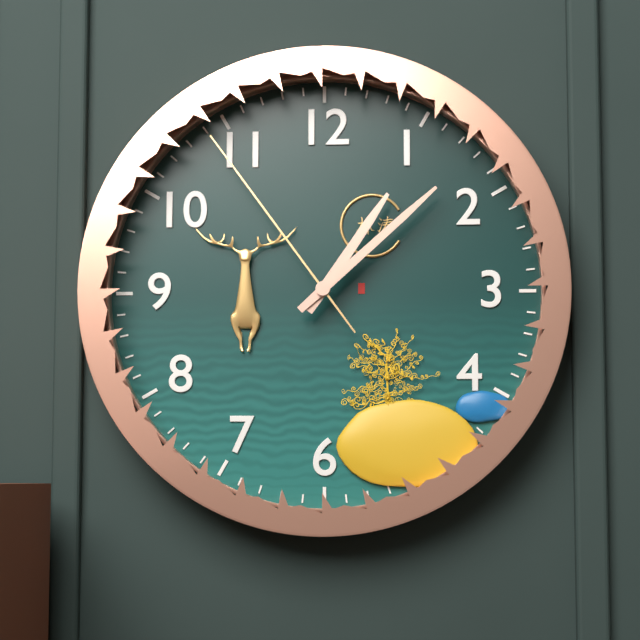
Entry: 1h08m54s
